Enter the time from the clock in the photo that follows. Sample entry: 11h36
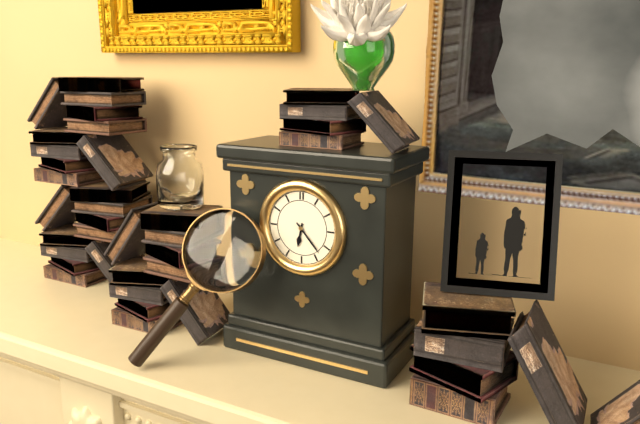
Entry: 6h23
